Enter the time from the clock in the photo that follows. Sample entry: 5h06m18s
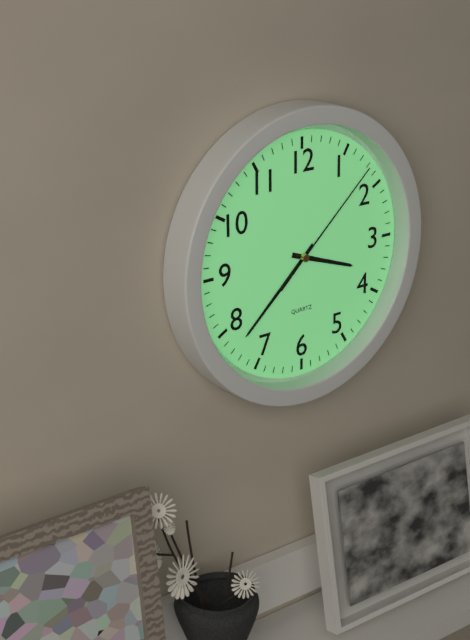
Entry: 3h38m08s
